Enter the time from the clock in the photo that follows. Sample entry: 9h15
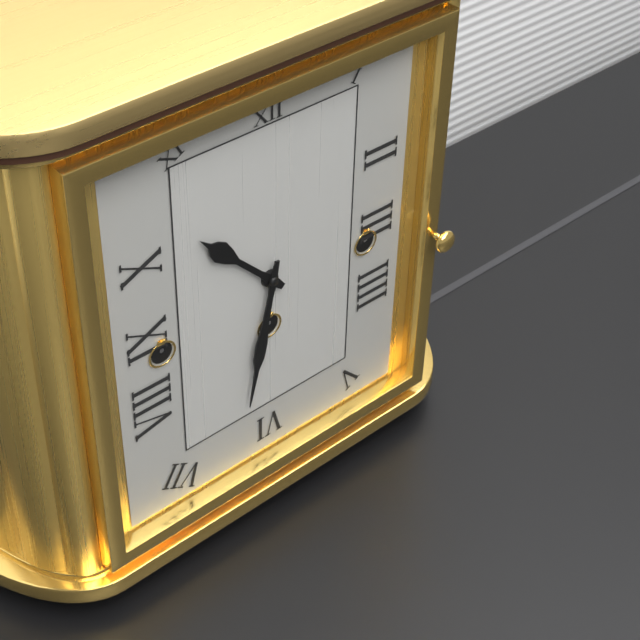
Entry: 10h32
